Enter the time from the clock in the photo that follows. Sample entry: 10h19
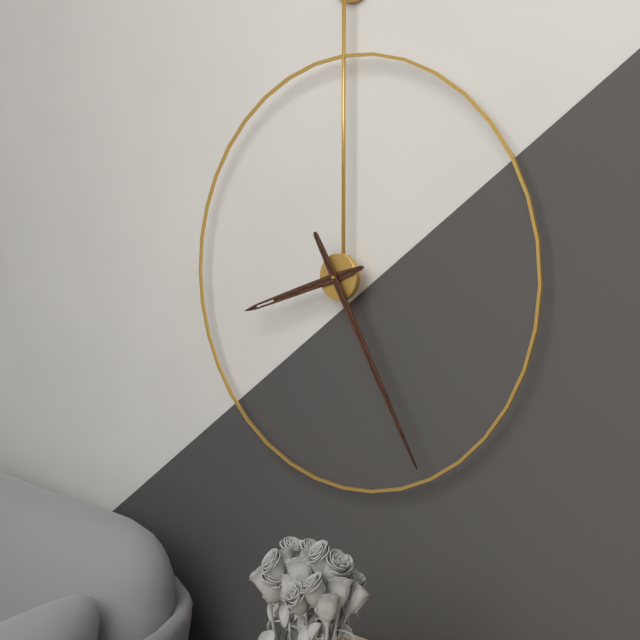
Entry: 8h25
